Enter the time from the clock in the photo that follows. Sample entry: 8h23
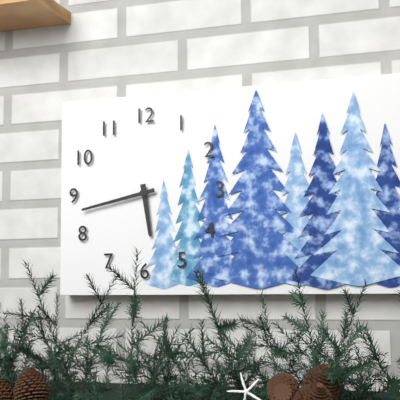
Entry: 5h43
